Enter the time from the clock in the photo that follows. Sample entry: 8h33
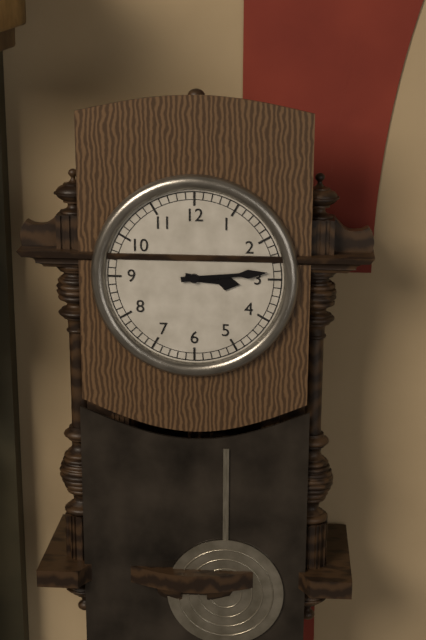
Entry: 3h14
